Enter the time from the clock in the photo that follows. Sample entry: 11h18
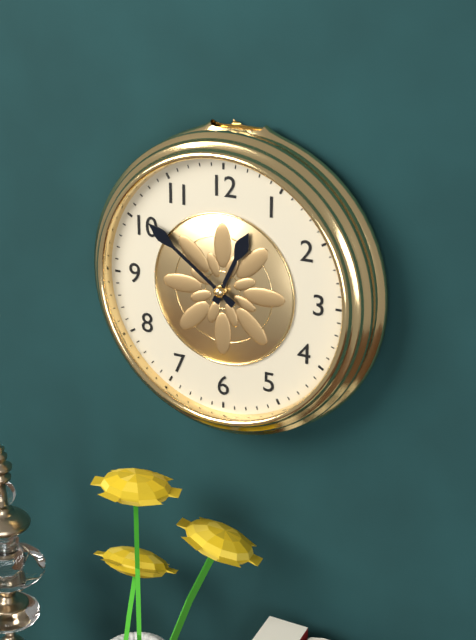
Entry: 12h51
